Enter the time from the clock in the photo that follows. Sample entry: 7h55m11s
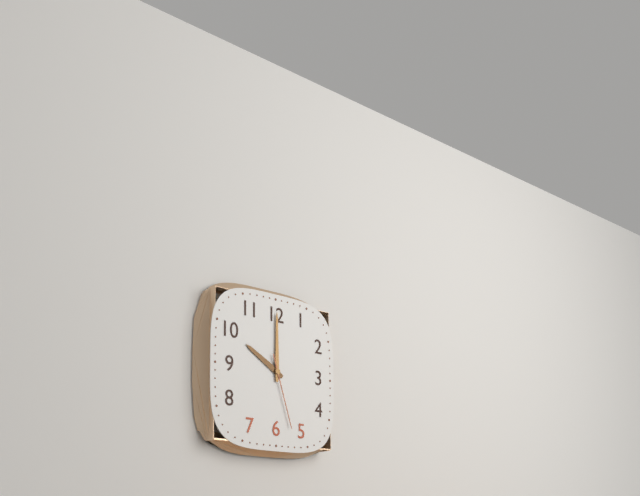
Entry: 10h00m27s
